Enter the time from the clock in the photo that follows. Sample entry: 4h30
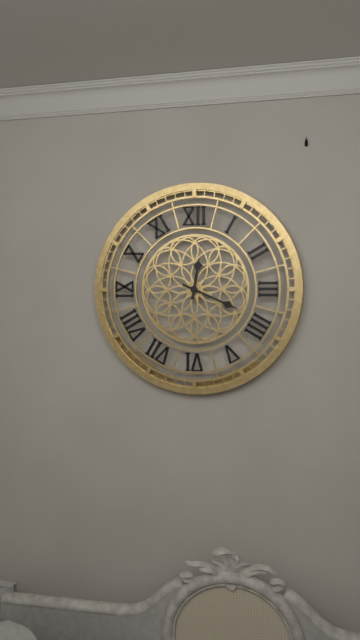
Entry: 12h19
